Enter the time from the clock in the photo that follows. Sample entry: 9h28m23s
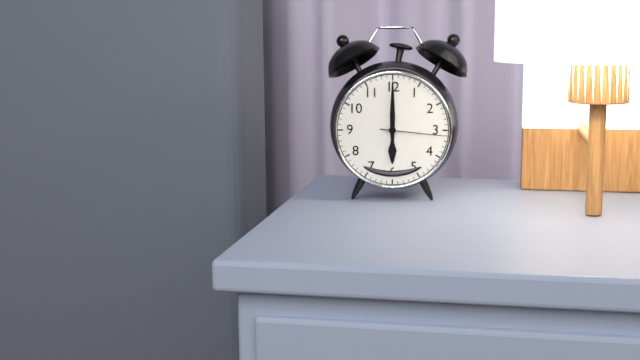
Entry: 6h00m16s
